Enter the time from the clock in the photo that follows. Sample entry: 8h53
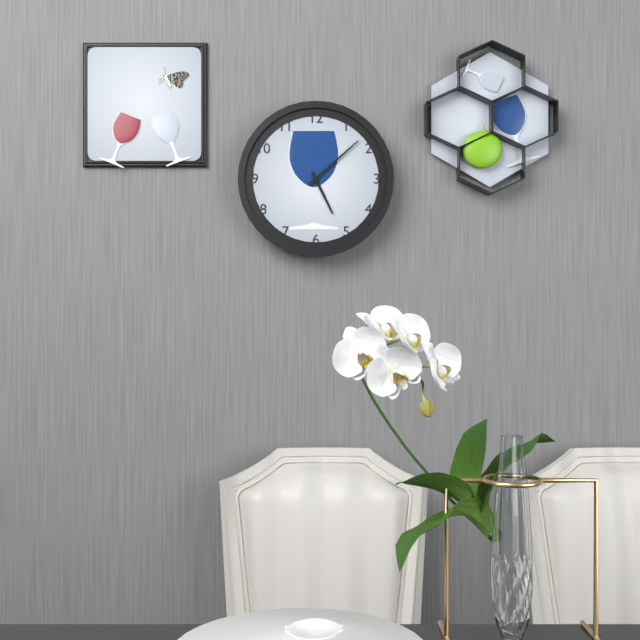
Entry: 5h08
